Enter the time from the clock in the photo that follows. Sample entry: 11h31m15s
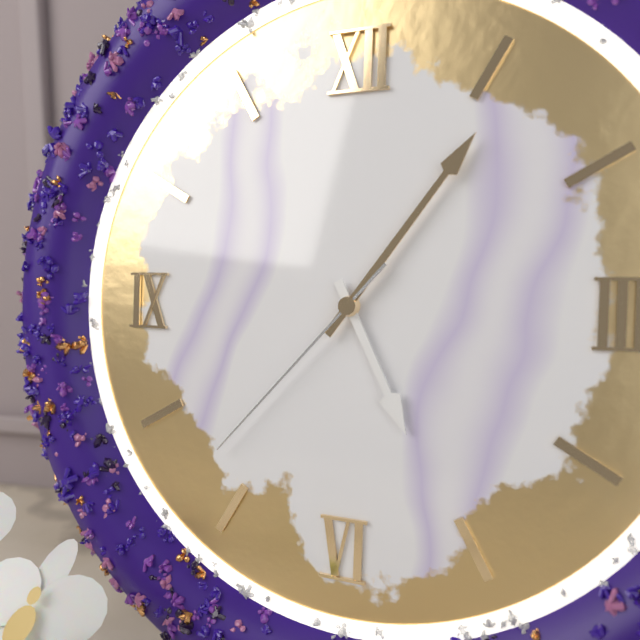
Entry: 5h06m37s
